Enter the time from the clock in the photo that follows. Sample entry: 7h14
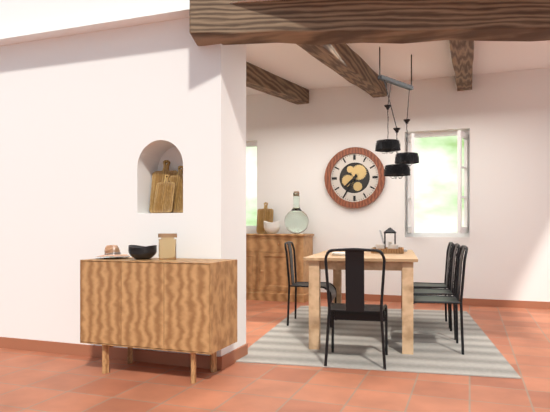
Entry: 7h35
